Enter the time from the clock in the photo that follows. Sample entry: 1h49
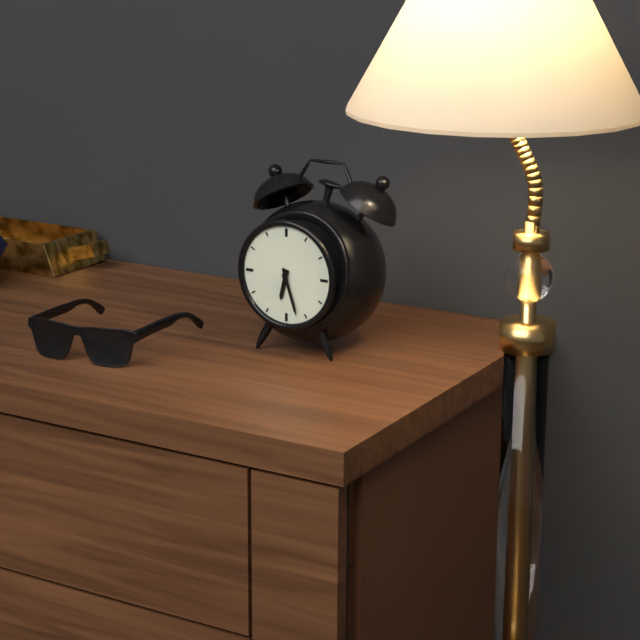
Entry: 6h27
